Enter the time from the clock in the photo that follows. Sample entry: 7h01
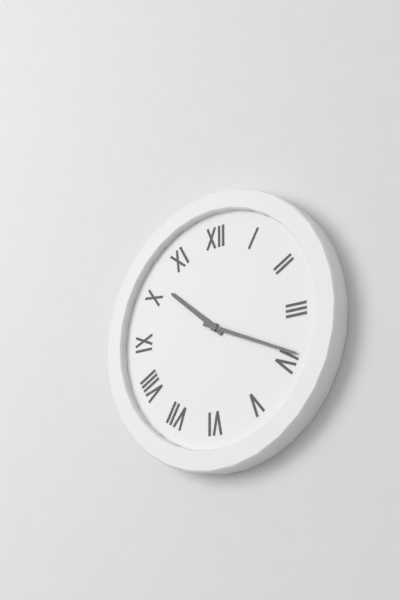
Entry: 10h19
